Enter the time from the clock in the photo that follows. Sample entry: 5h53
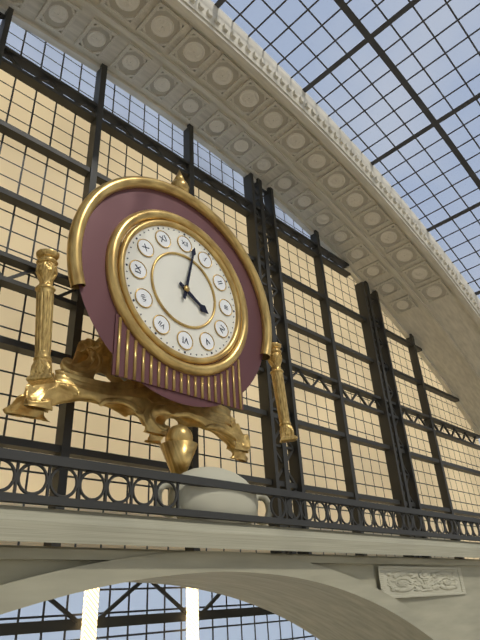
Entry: 4h02
